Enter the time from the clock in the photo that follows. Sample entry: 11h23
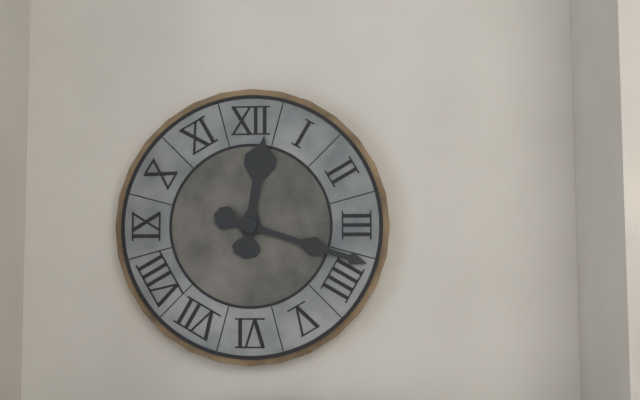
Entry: 12h18
